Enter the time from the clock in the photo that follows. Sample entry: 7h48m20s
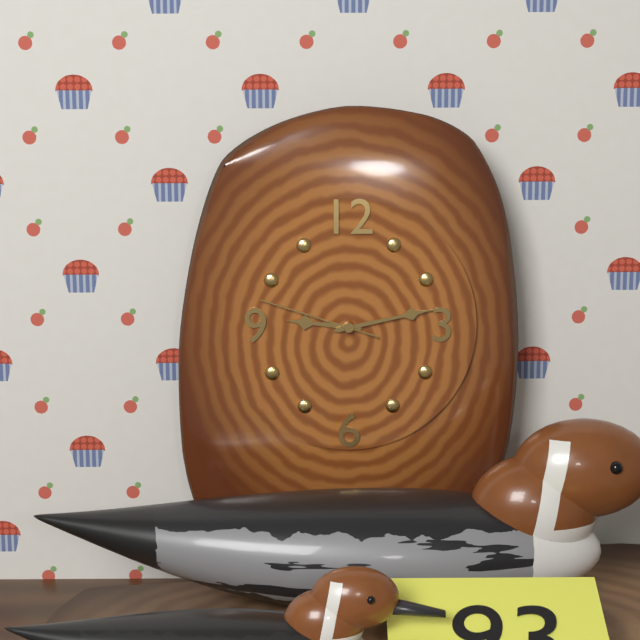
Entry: 9h13m48s
